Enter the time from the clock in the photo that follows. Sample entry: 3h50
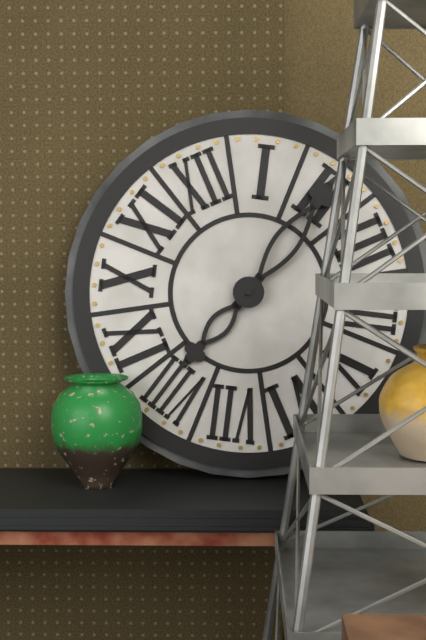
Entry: 8h10
